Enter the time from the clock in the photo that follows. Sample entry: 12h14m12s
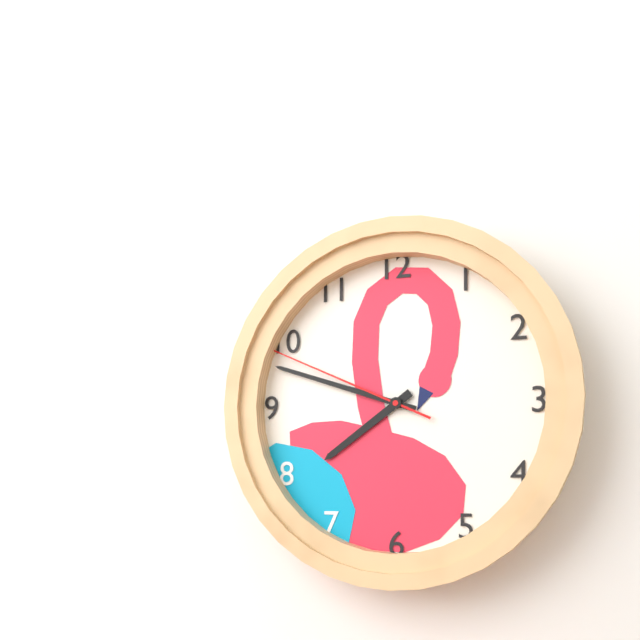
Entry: 7h48m49s
